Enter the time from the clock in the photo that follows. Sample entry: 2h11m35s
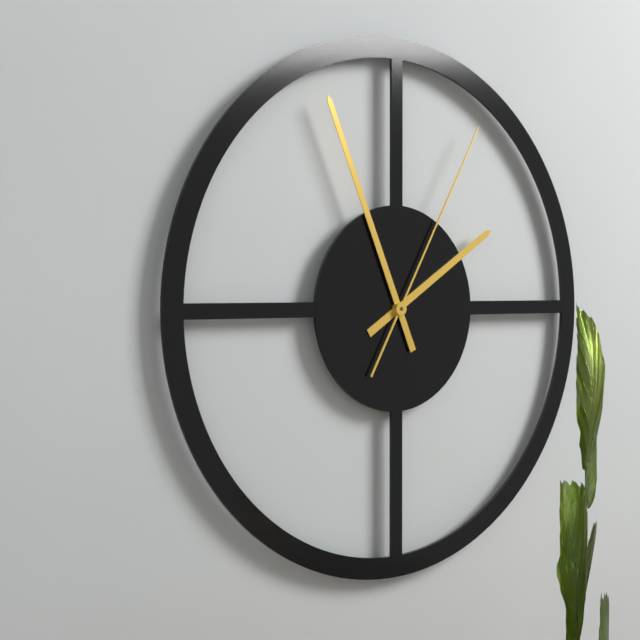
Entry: 1h56m05s
